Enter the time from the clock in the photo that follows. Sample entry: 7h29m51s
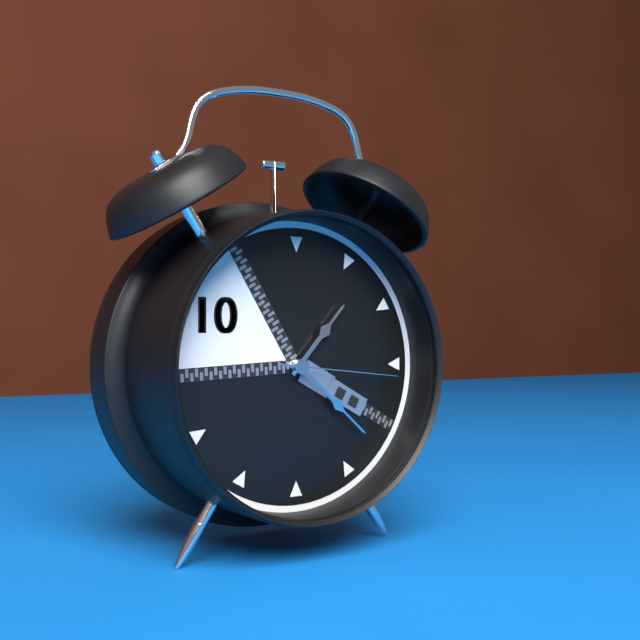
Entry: 1h22m16s
